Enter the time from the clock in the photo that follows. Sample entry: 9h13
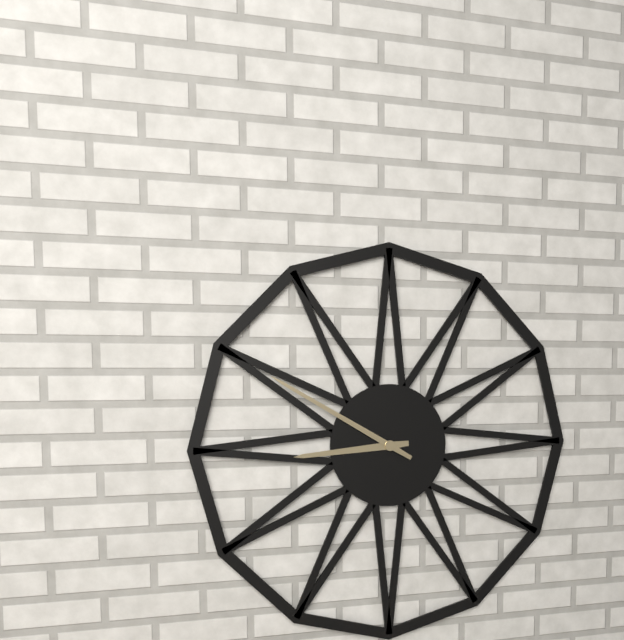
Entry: 8h50
